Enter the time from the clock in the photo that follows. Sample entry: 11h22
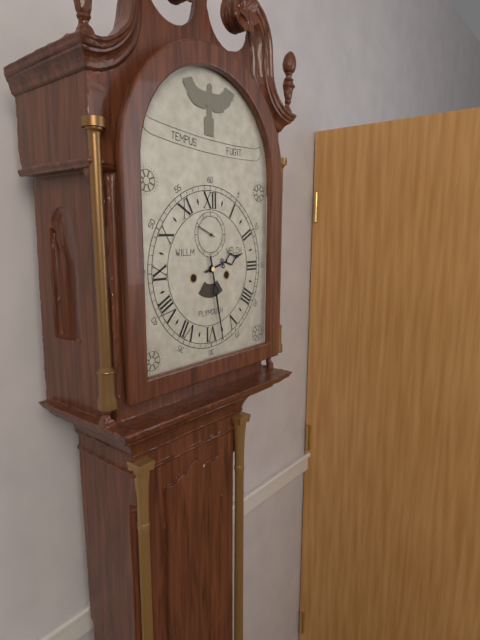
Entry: 2h28
